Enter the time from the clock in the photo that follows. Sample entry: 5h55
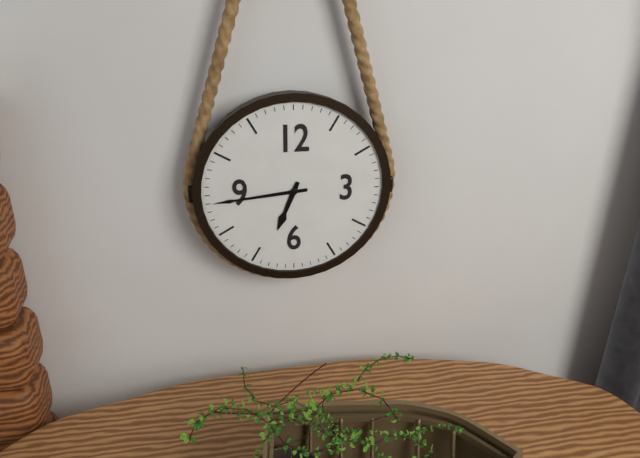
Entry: 6h44
